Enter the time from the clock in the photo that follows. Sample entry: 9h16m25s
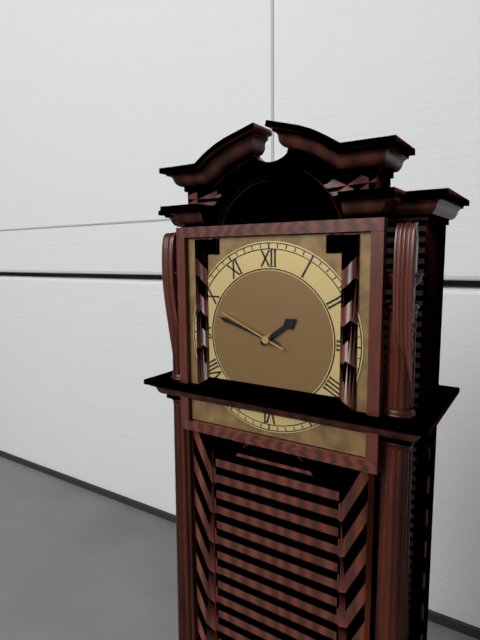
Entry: 1h48m49s
